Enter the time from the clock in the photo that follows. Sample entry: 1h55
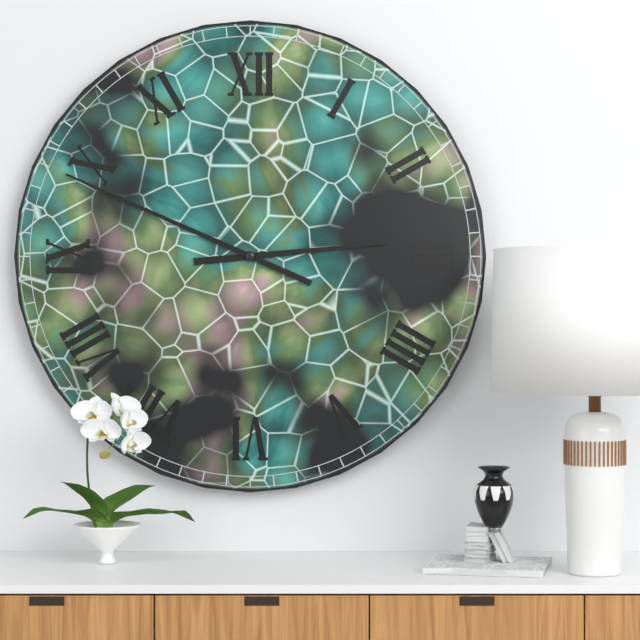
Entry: 2h49
